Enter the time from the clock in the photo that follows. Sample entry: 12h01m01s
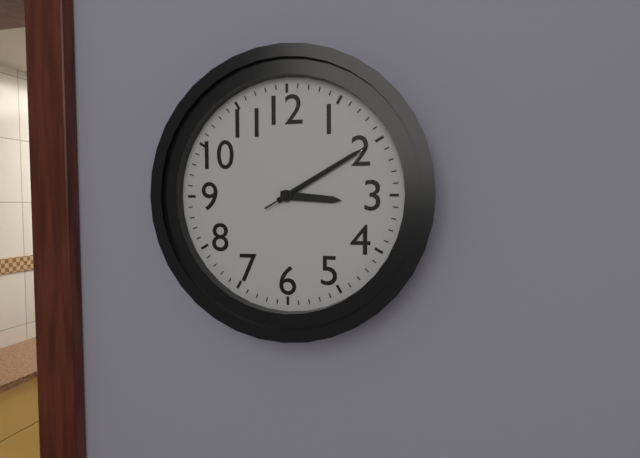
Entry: 3h10m10s
